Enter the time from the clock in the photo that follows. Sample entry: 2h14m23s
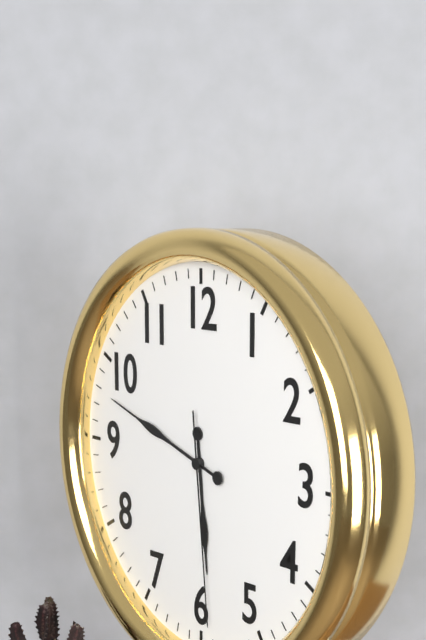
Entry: 5h48m29s
